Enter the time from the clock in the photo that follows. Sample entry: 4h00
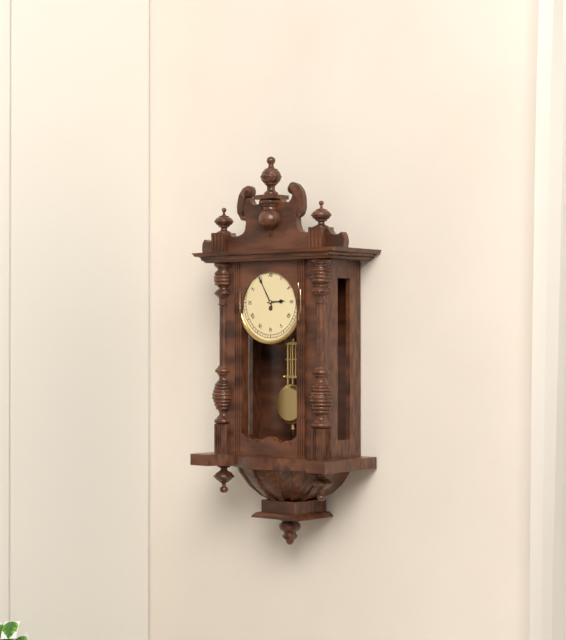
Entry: 2h55
